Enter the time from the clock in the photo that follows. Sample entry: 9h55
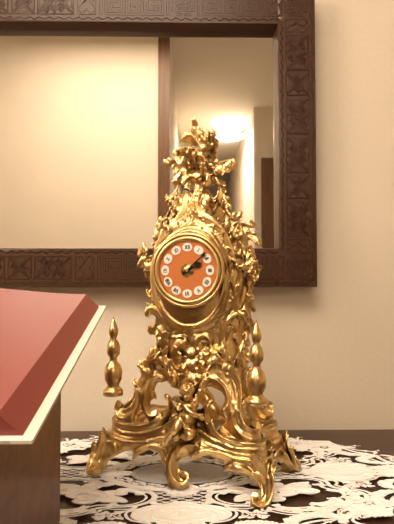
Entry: 2h08
